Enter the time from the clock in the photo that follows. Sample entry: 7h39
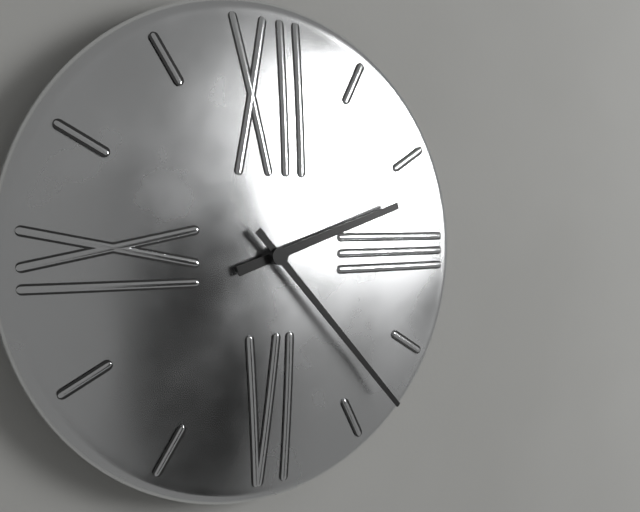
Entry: 2h23
